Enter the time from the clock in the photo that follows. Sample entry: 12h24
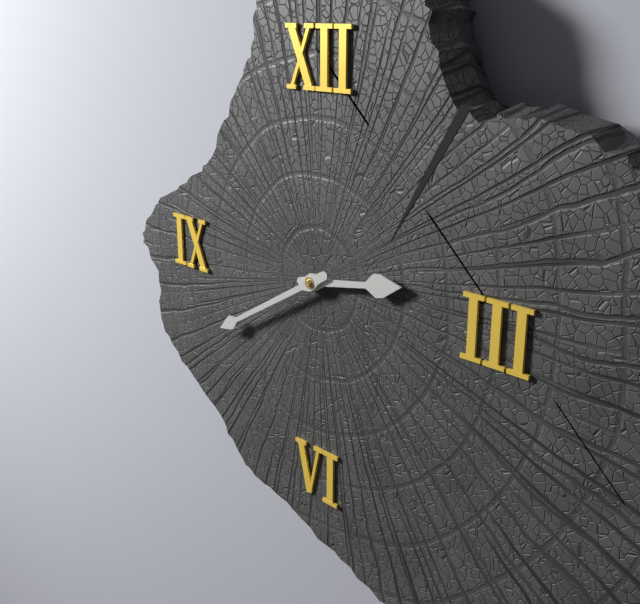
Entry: 2h40
